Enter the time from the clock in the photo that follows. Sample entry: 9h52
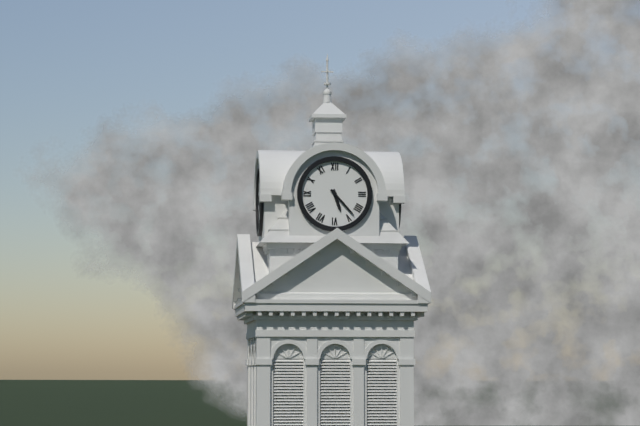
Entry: 5h23
